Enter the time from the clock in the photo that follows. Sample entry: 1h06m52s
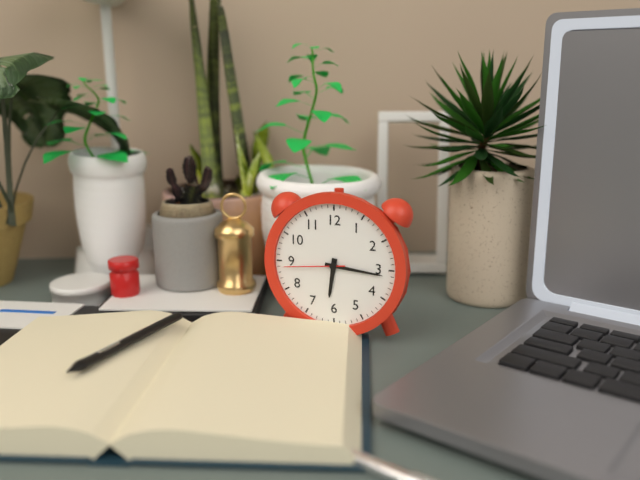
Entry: 6h16m44s
